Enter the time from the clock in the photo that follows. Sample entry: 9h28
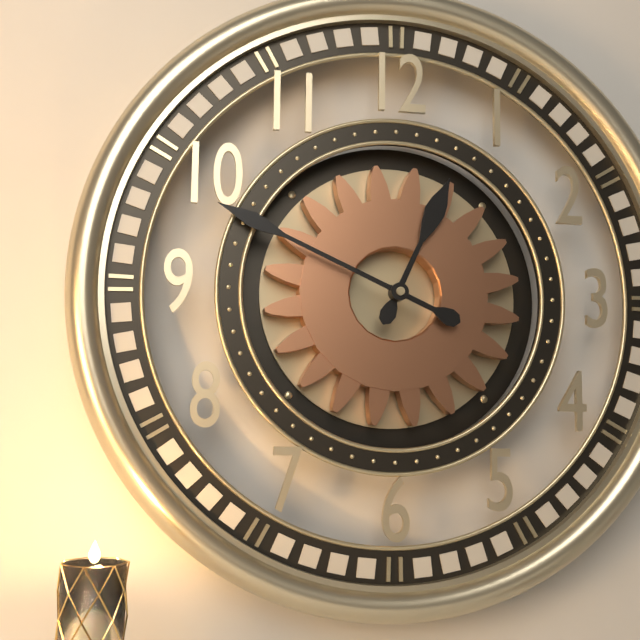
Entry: 12h49
